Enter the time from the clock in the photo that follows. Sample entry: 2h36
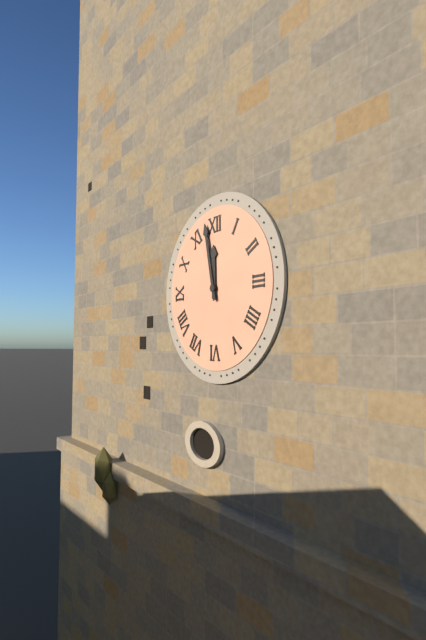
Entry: 11h58
